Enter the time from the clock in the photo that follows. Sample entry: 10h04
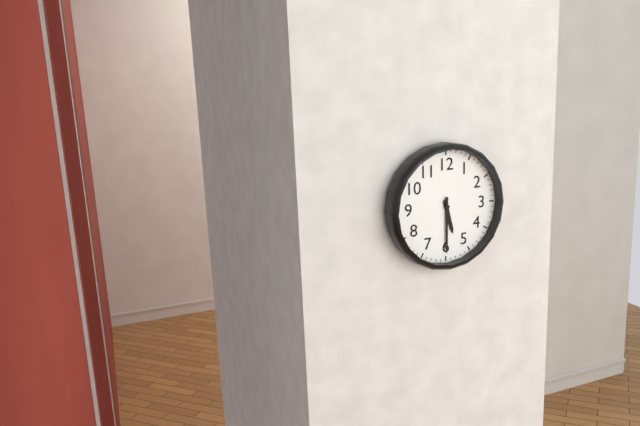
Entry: 5h30
